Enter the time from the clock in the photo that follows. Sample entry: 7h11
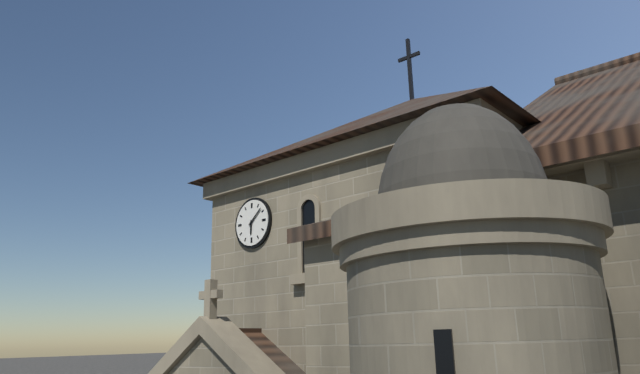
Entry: 6h08
